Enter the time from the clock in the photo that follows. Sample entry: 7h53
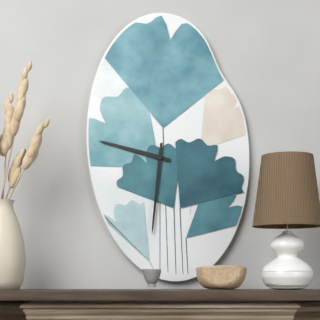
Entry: 9h31
